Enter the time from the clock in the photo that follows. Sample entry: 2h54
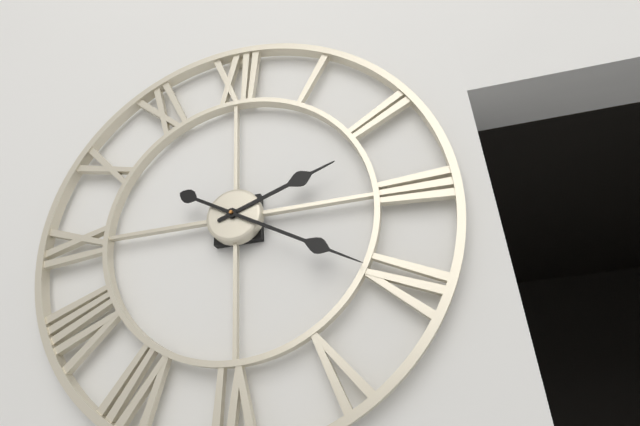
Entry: 2h20
